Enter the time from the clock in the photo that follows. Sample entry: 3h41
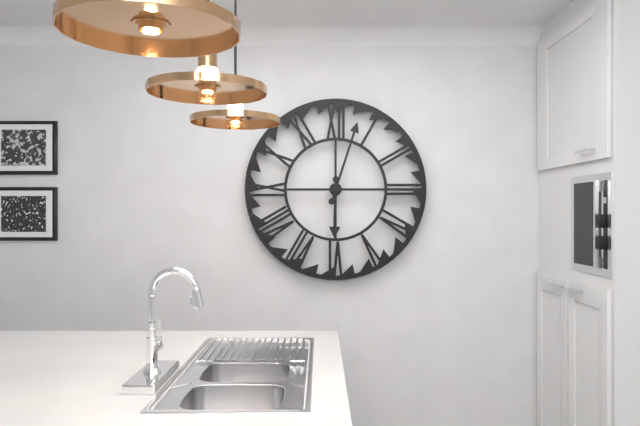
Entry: 6h03
